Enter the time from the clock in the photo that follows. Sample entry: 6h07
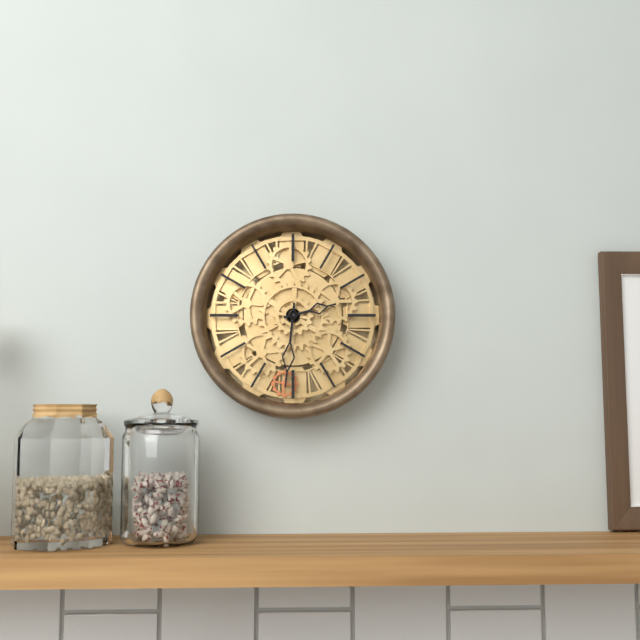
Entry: 2h31
